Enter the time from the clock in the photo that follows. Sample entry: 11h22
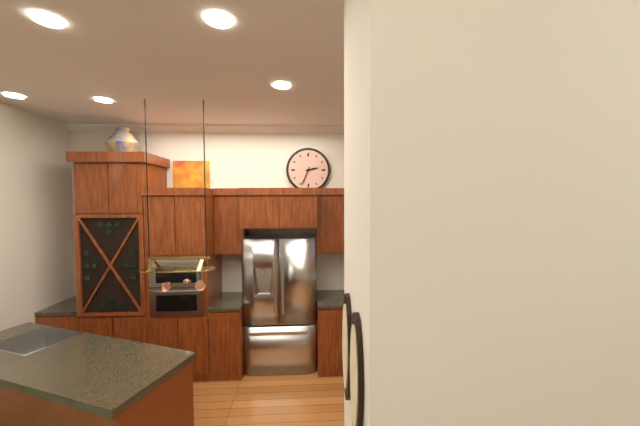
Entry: 2h34
